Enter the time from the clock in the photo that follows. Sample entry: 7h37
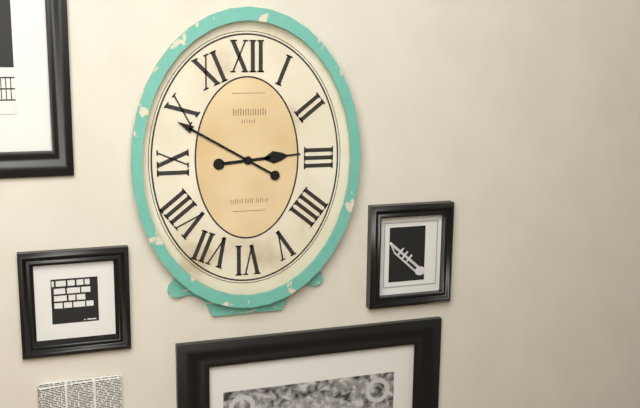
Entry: 2h50
